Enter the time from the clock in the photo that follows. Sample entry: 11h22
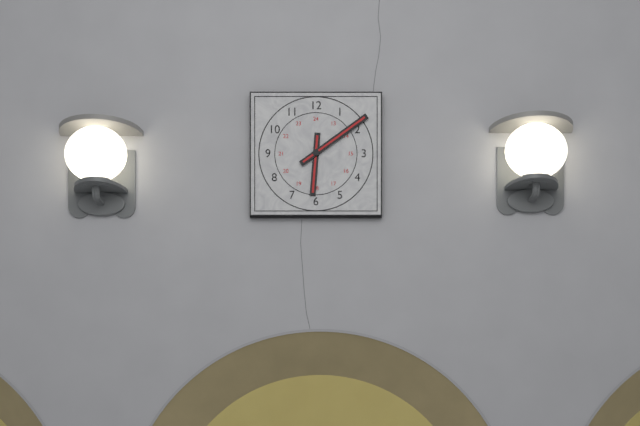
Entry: 6h09
